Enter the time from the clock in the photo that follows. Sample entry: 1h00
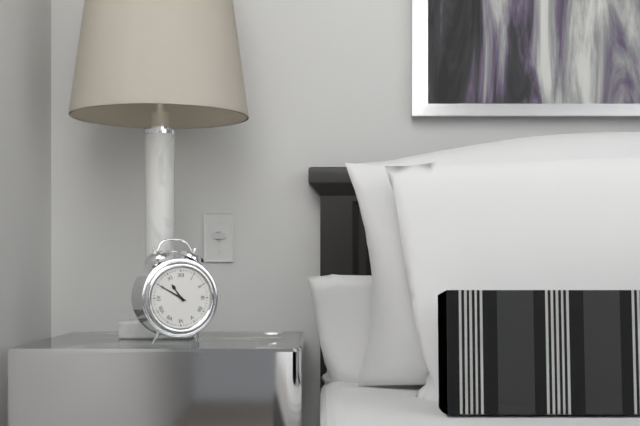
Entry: 10h50
